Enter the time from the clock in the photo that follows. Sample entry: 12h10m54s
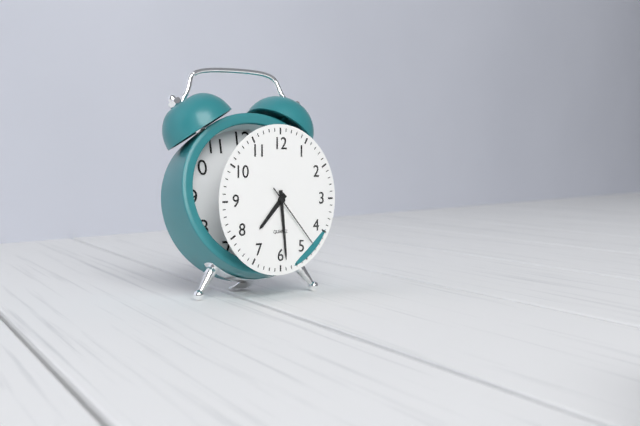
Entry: 7h29m23s
